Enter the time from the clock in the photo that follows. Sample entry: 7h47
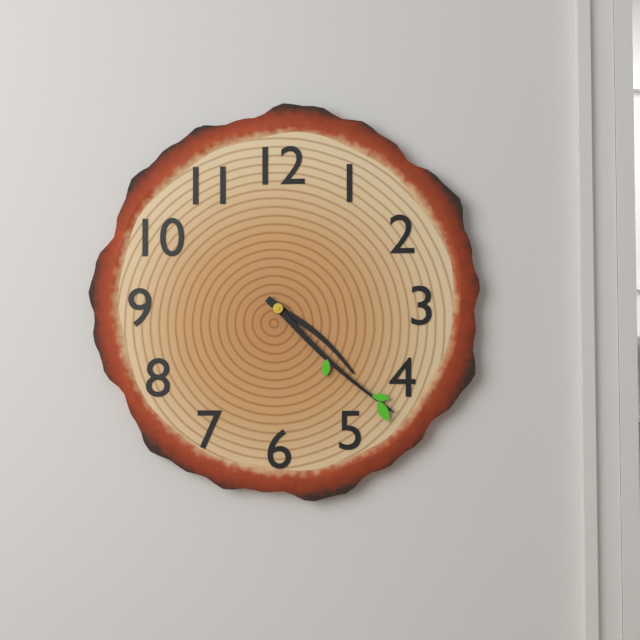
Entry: 4h22
